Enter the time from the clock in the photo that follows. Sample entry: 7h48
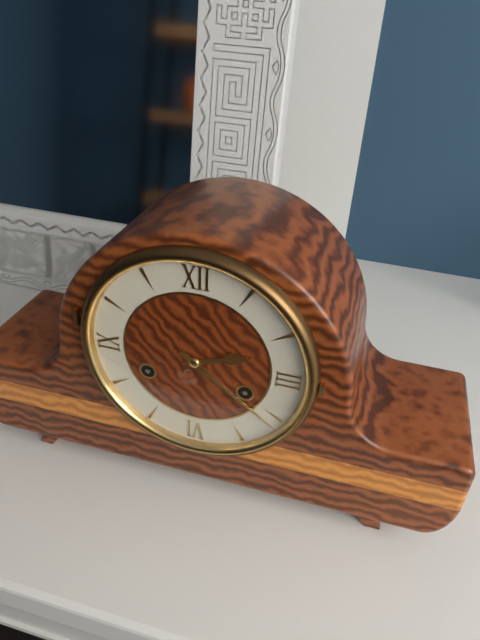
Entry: 2h21
